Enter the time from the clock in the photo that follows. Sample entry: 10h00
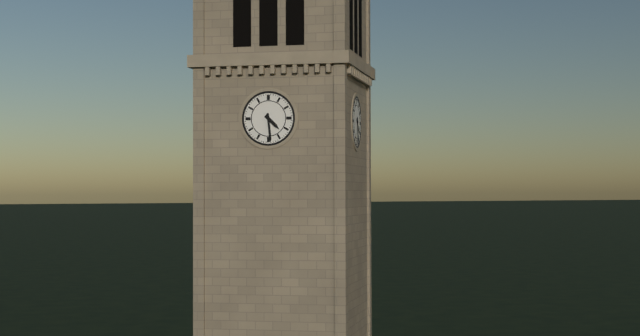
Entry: 4h29
